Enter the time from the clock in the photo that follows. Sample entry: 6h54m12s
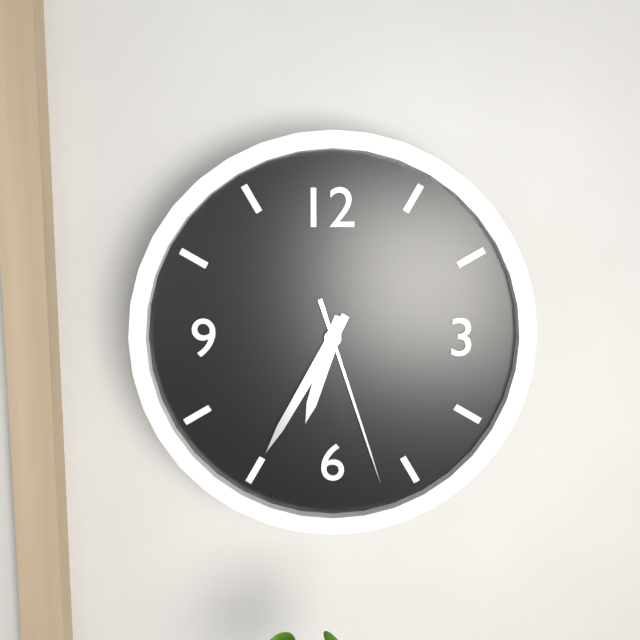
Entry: 6h35m27s
